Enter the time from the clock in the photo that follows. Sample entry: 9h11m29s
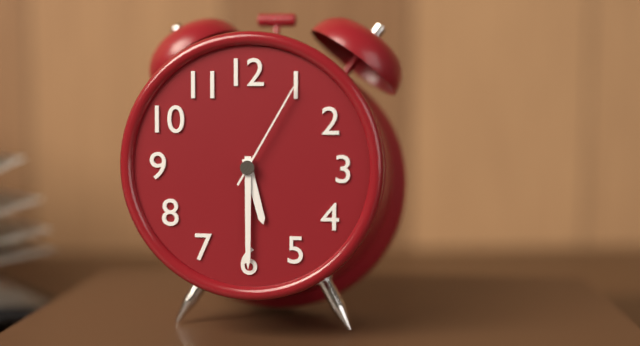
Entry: 5h30m05s
